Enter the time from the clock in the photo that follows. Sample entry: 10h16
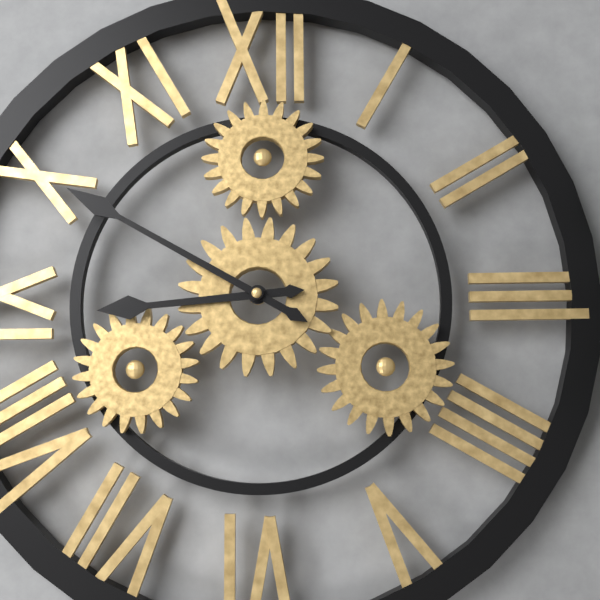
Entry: 8h50
